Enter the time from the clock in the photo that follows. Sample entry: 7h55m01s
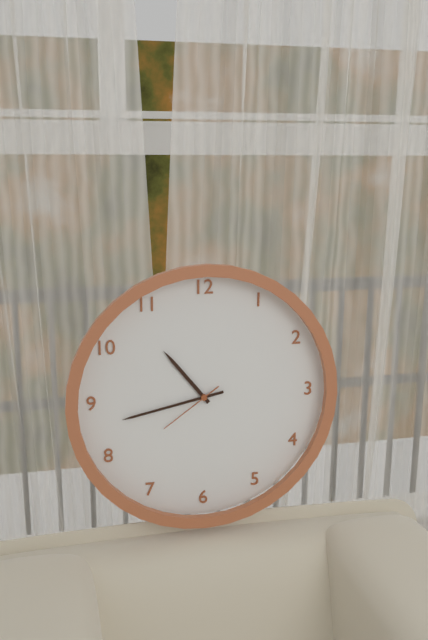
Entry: 10h43m39s
